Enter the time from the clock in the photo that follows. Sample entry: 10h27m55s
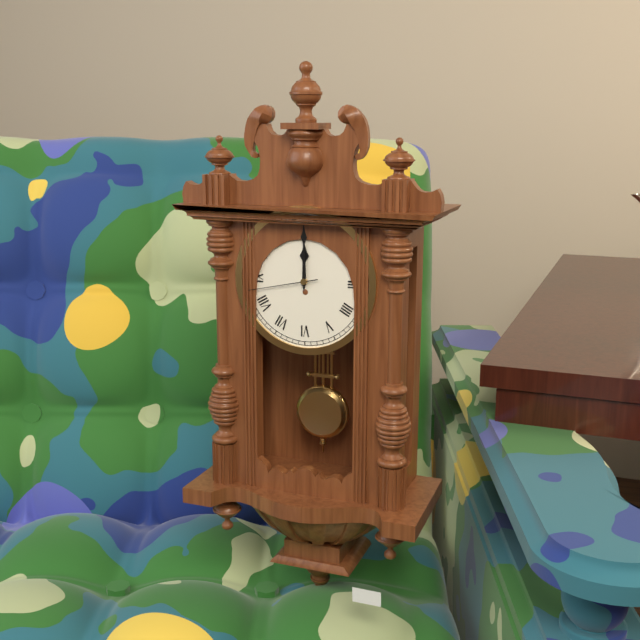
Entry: 12h00m43s
